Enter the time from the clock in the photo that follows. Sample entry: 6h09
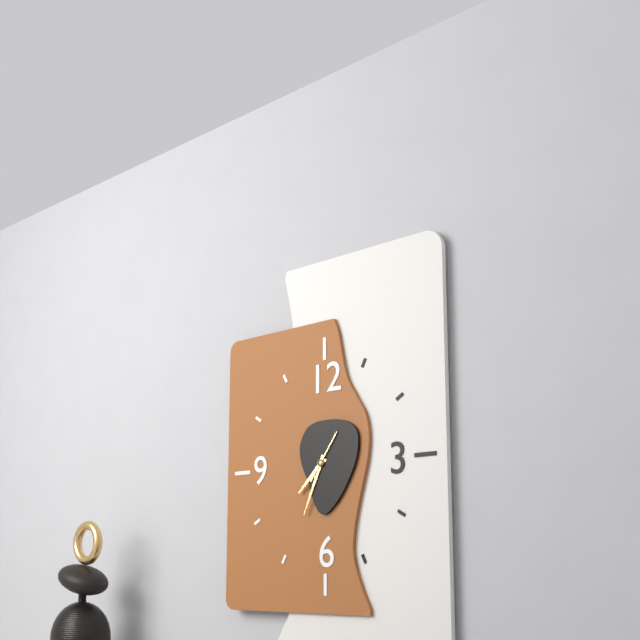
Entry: 7h34
